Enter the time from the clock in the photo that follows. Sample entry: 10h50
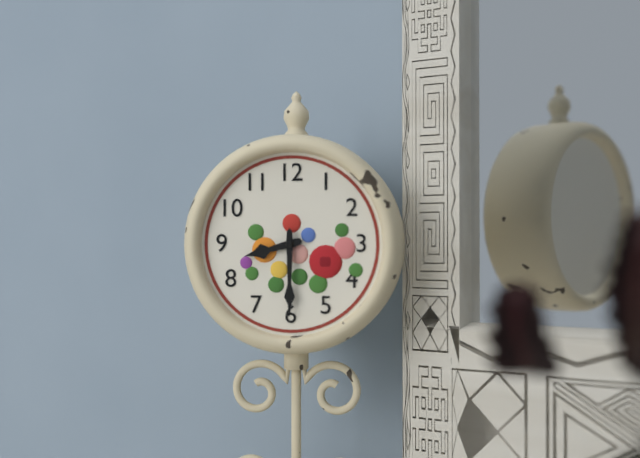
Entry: 8h30
